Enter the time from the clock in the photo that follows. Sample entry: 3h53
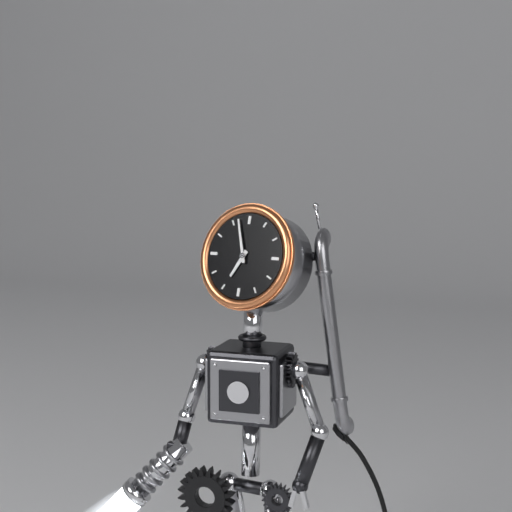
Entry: 6h57
